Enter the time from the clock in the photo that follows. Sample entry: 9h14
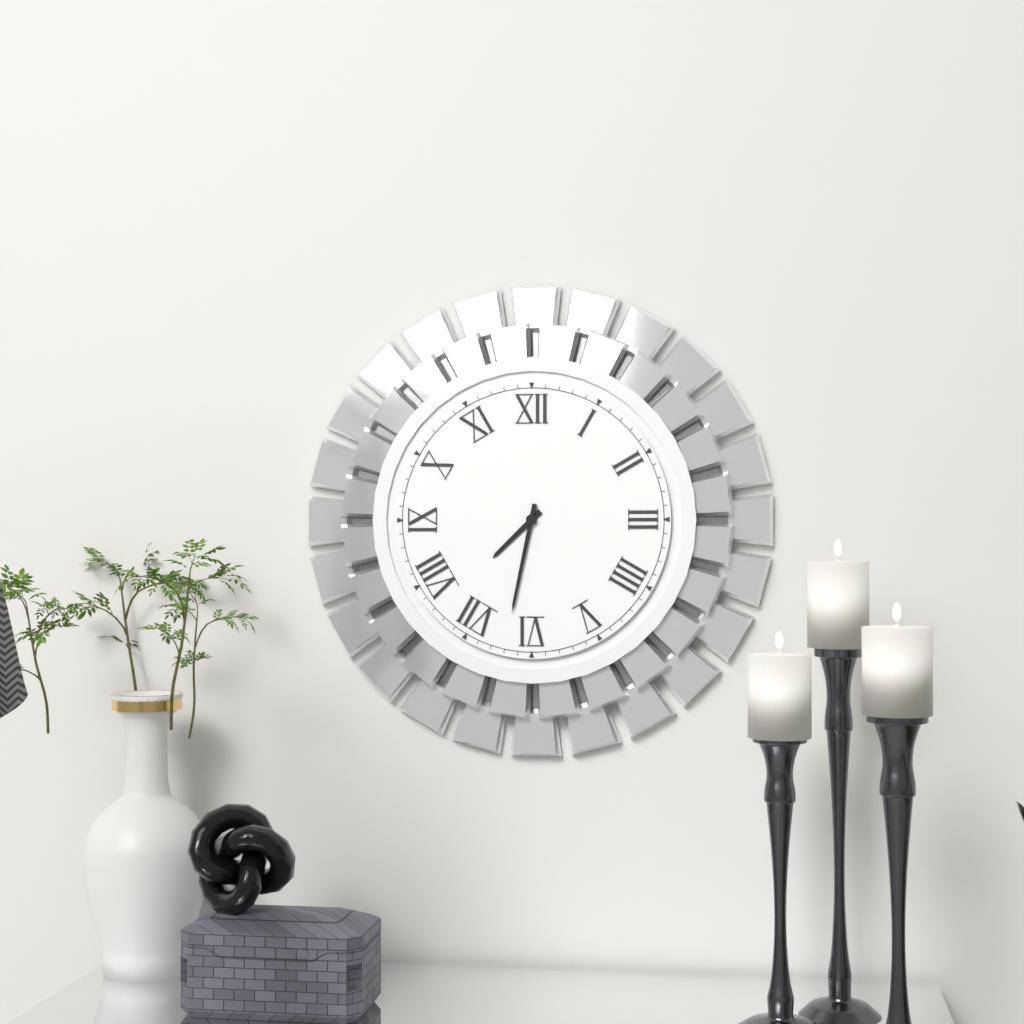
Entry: 7h32
